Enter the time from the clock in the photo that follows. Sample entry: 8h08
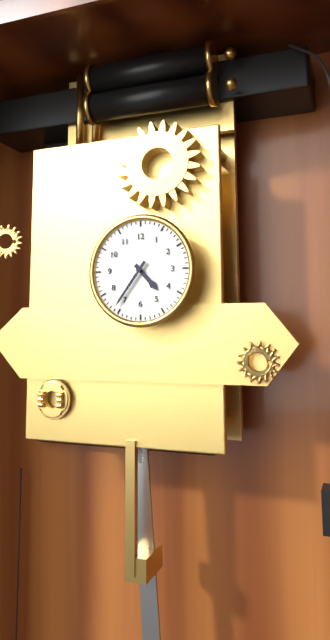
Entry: 4h36
